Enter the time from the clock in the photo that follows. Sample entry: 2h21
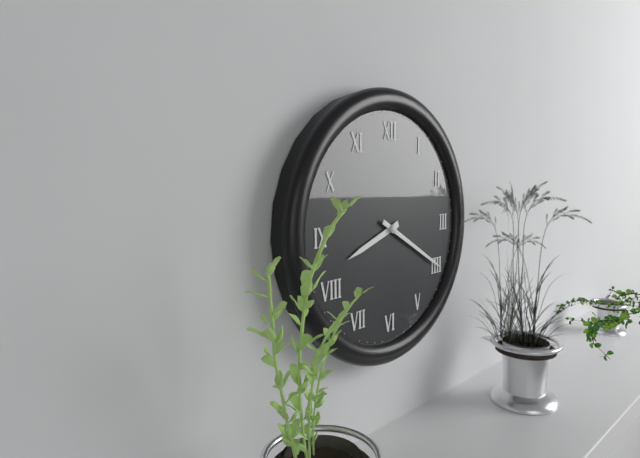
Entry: 8h20
